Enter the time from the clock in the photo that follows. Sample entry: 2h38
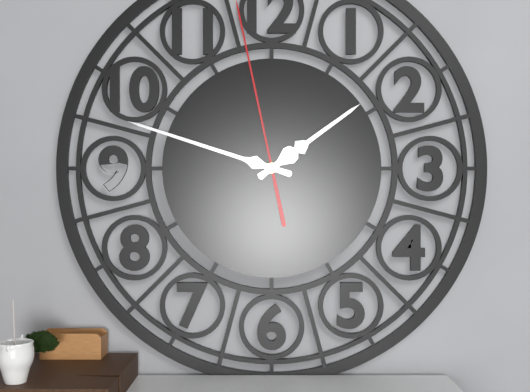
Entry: 1h48
